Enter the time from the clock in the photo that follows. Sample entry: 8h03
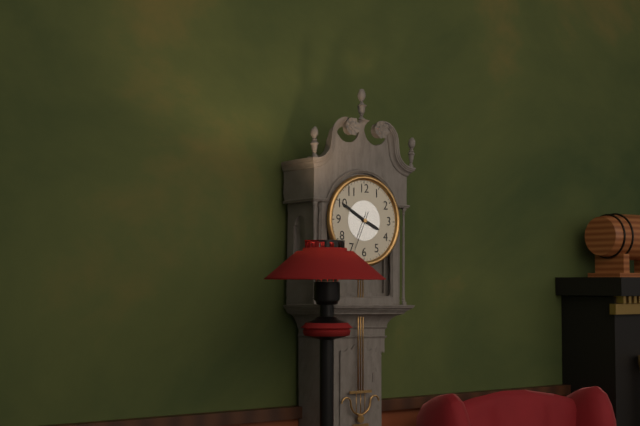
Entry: 3h50
